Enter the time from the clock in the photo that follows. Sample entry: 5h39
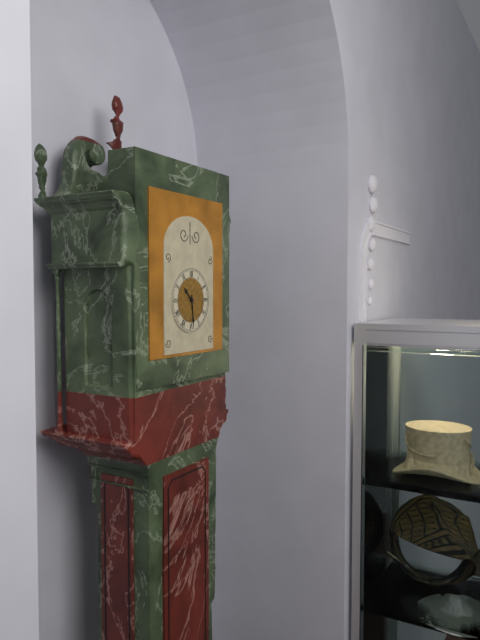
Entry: 10h29
